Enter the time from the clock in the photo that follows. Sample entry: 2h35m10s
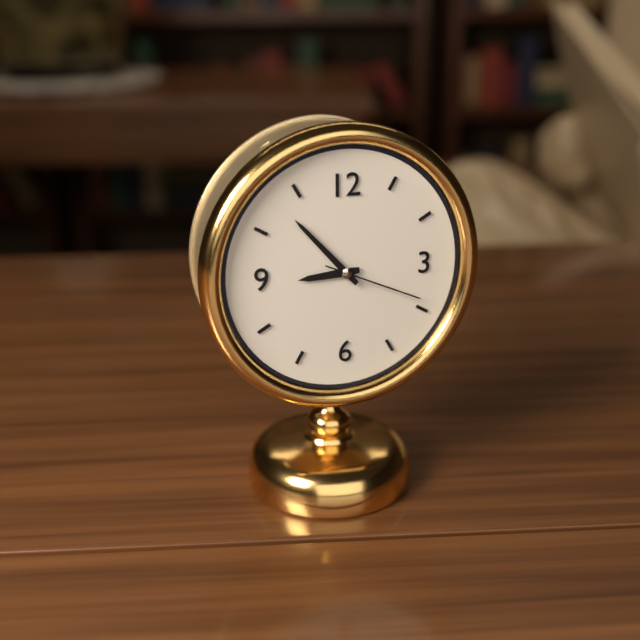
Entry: 8h53m19s
